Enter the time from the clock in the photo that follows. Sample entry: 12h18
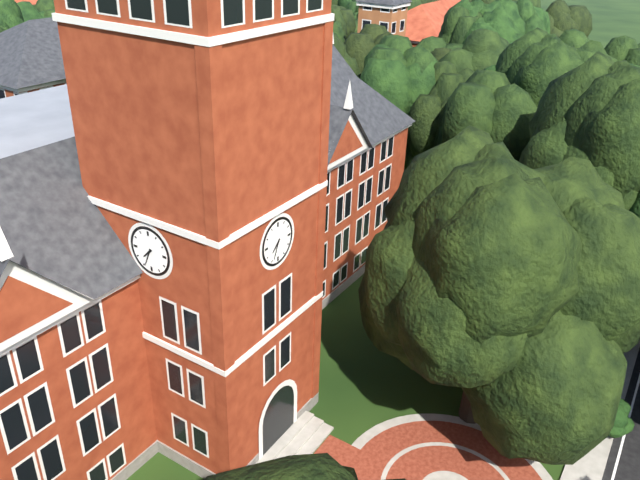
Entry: 7h34
